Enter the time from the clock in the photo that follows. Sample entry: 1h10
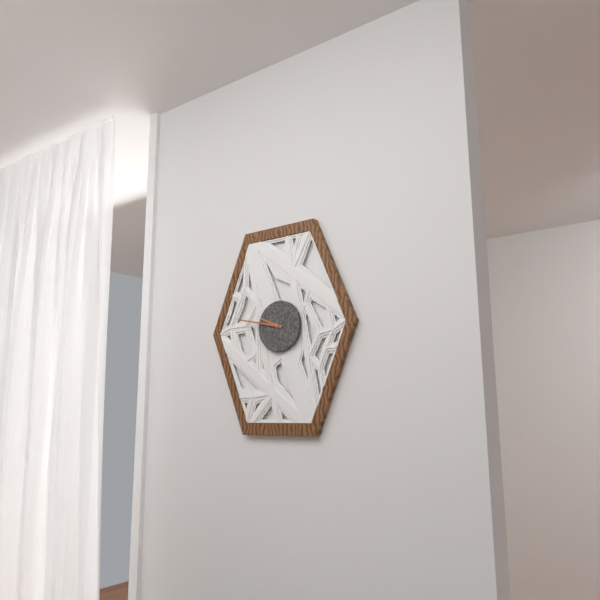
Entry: 9h47
